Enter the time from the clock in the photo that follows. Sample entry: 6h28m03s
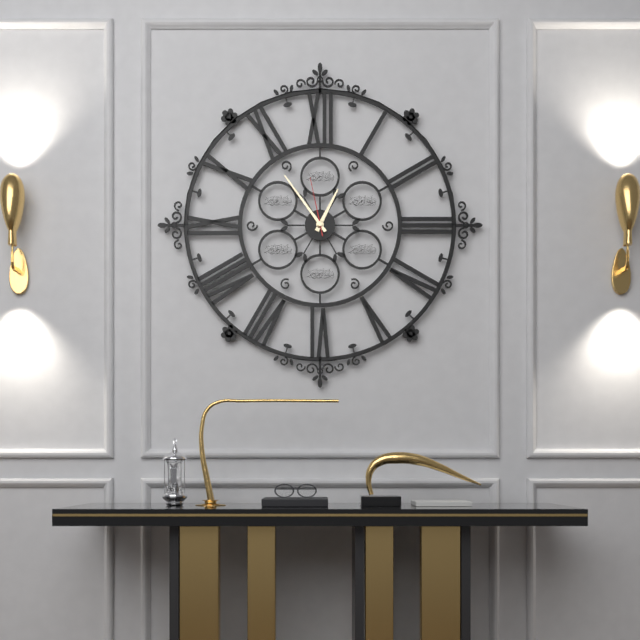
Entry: 12h54m58s
